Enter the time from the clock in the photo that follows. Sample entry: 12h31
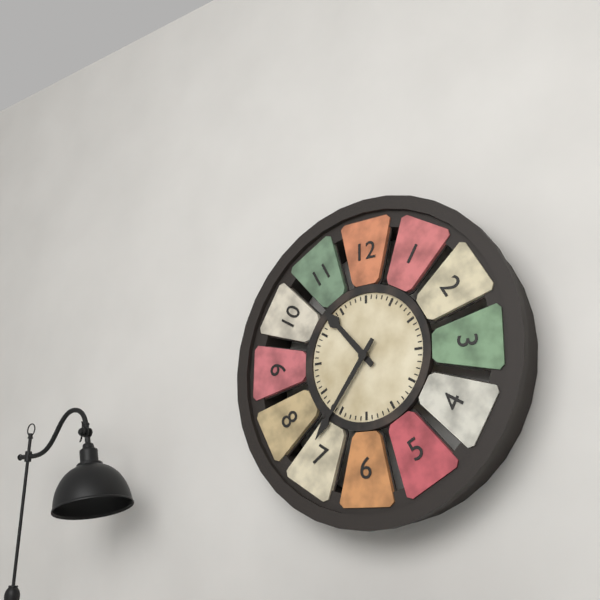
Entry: 10h36
